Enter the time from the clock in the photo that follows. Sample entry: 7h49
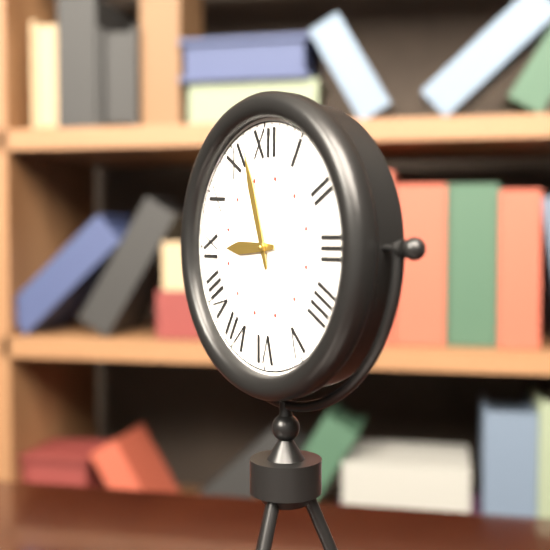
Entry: 8h57
